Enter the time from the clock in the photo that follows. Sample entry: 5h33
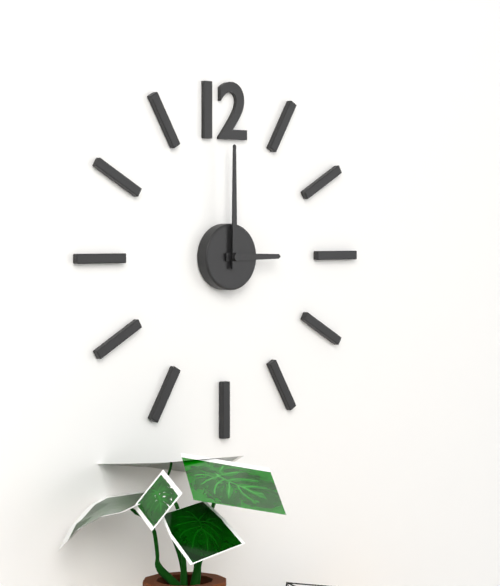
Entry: 3h00
